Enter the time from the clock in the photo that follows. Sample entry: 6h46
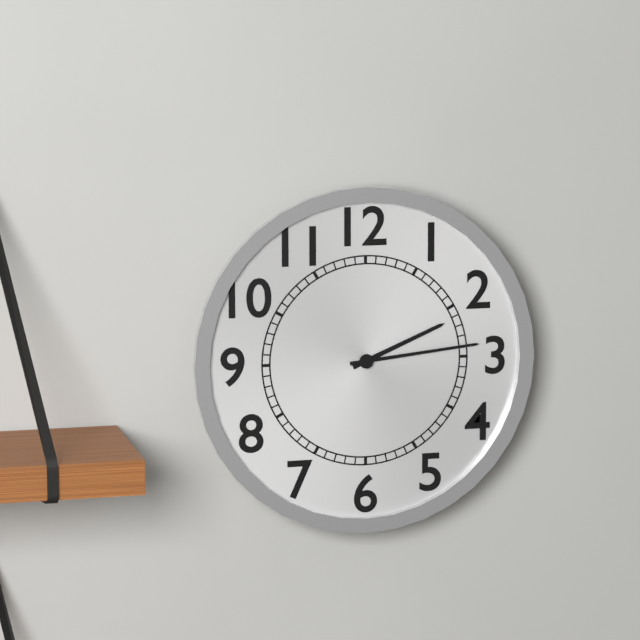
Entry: 2h14
